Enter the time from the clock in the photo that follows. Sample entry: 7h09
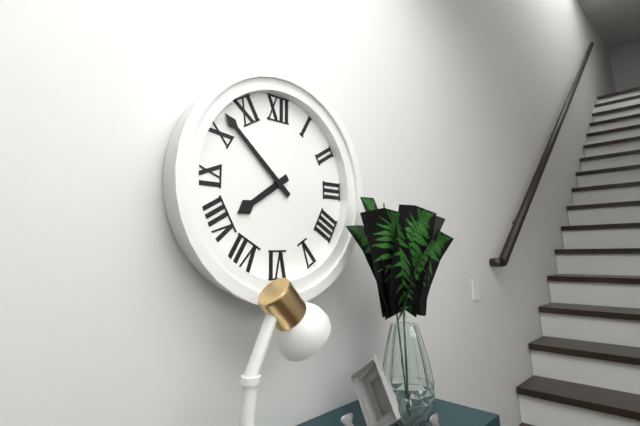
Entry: 7h52
